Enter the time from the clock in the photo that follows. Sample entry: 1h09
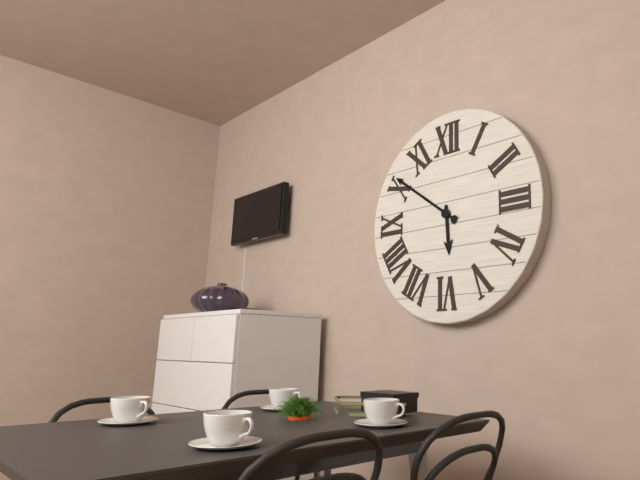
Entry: 5h51
